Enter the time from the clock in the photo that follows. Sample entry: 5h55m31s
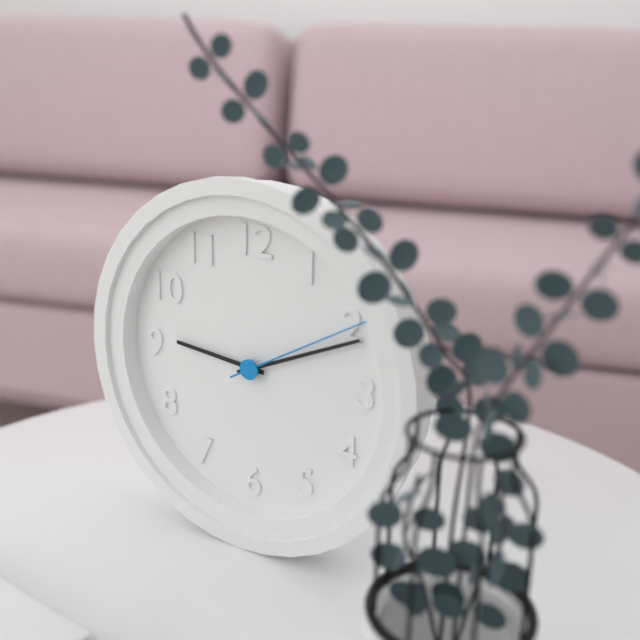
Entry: 9h11m10s
